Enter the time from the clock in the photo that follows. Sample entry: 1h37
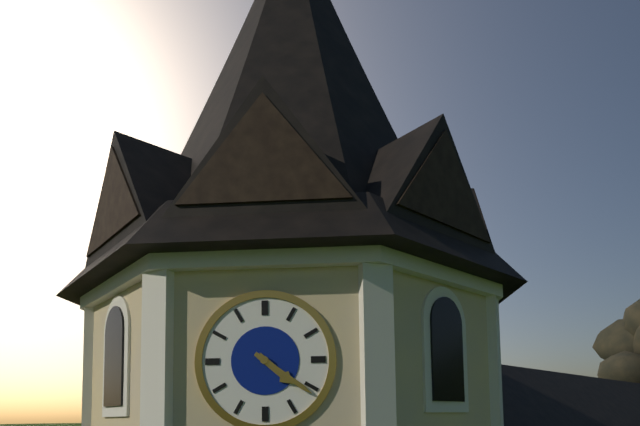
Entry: 4h21
